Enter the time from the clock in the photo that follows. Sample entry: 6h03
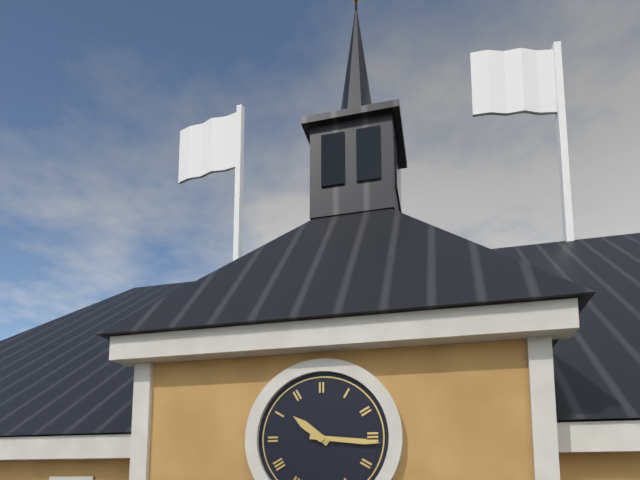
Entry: 10h16
